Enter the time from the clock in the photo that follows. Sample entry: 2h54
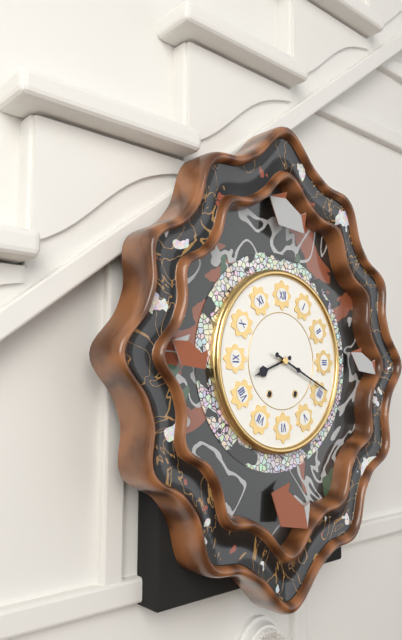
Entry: 8h19
